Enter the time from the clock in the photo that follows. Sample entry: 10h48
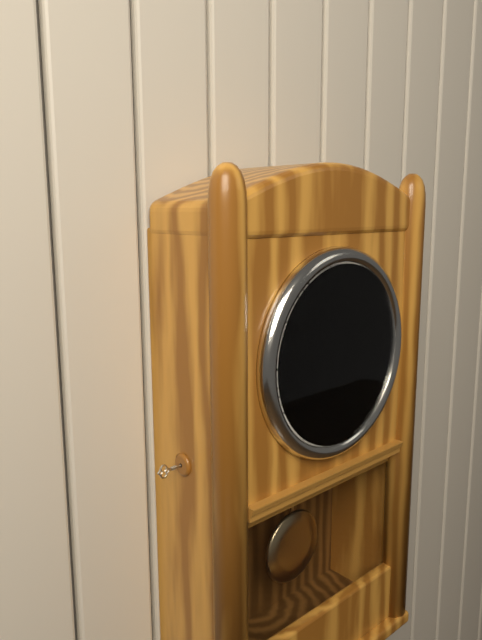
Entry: 4h39
